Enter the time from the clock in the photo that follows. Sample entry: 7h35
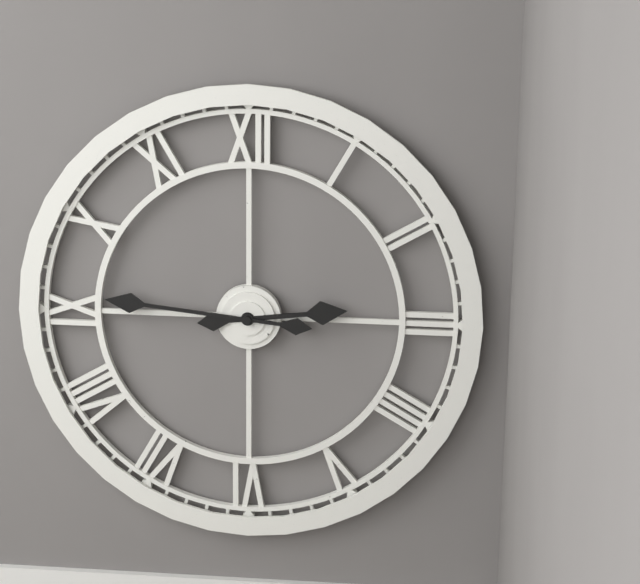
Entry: 2h46
